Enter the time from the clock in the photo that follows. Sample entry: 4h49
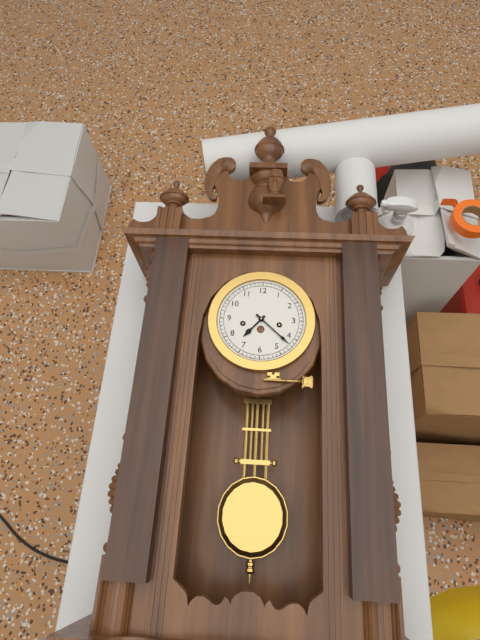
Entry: 7h22
